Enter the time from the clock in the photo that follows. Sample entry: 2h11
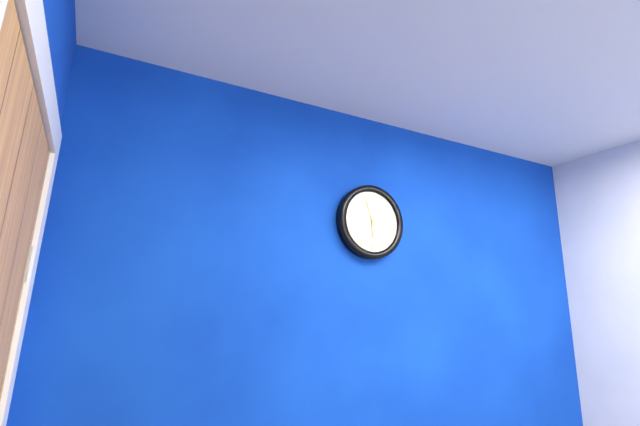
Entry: 5h57
